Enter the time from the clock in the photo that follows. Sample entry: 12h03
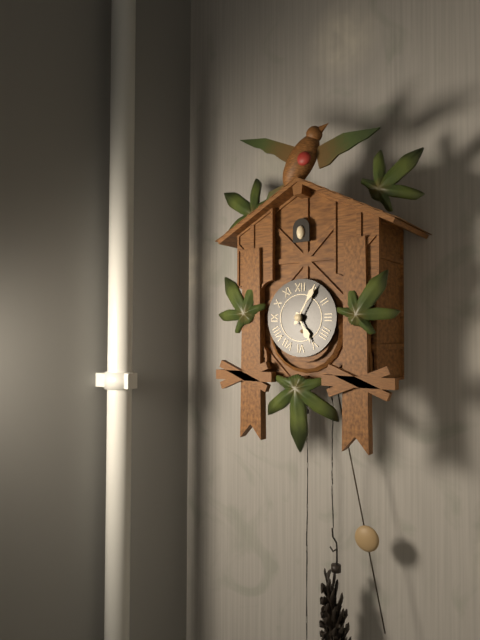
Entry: 5h05
